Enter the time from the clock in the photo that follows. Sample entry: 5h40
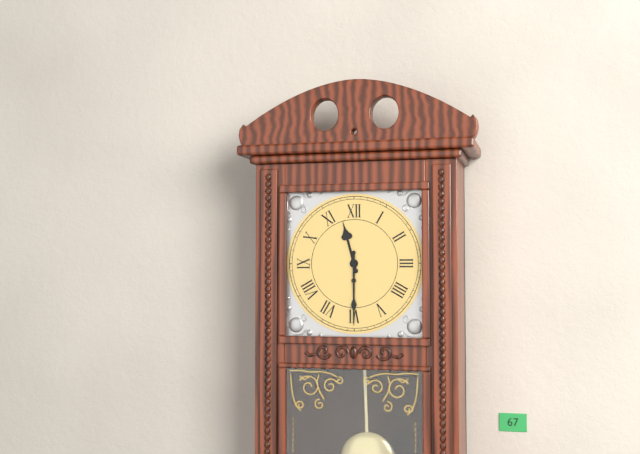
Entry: 11h30
